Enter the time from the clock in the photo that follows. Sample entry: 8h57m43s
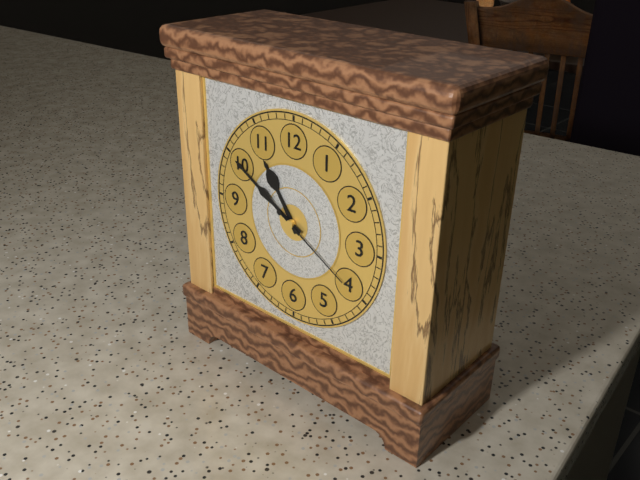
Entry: 10h50m20s
